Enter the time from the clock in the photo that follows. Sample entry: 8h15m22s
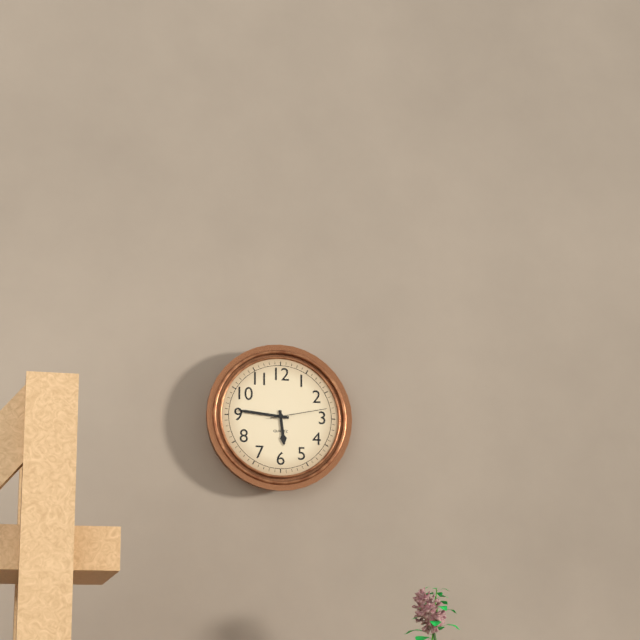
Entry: 5h46m13s
